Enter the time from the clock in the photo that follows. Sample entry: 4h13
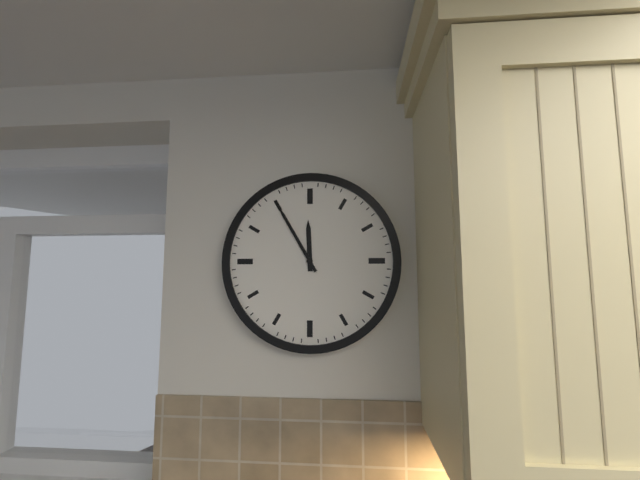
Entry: 11h55
